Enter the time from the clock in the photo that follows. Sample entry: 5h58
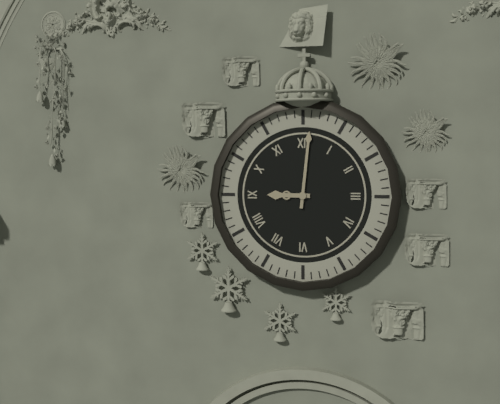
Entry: 9h01
